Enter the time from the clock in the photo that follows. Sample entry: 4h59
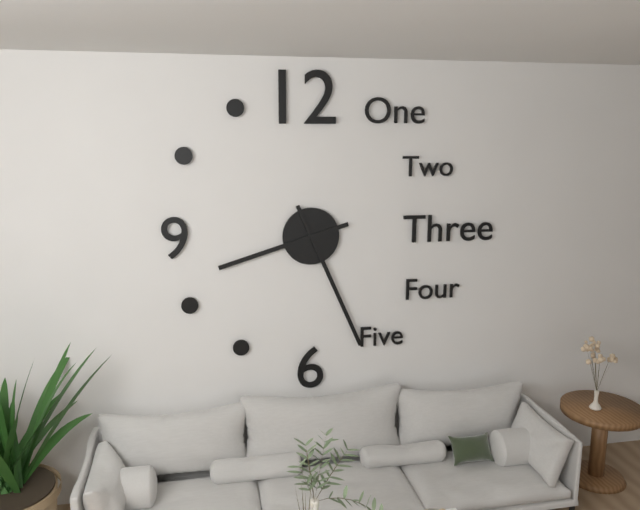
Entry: 8h26
